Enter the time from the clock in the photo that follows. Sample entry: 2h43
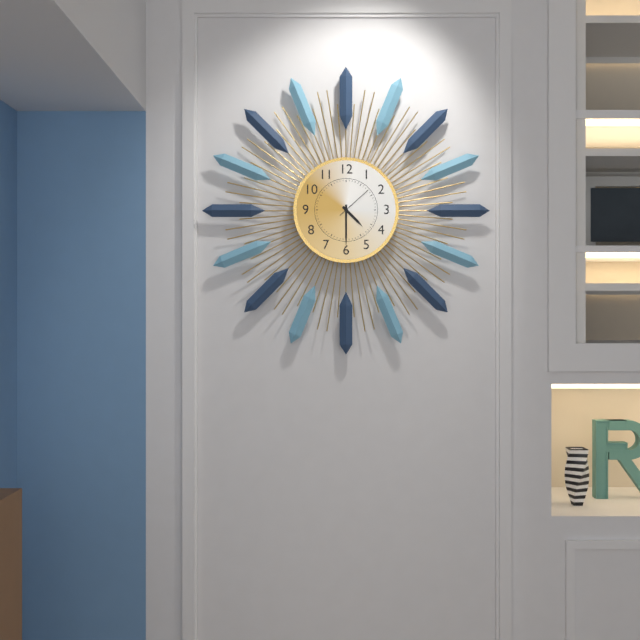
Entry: 4h30
